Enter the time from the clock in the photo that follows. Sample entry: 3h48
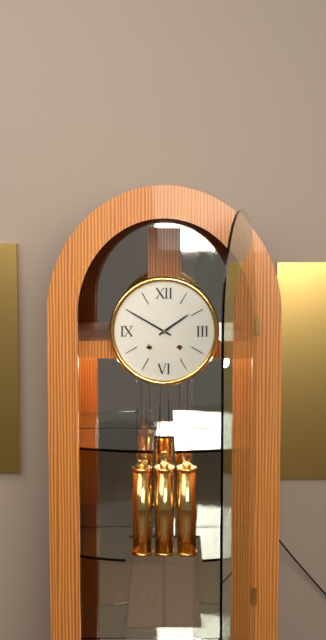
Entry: 1h50
